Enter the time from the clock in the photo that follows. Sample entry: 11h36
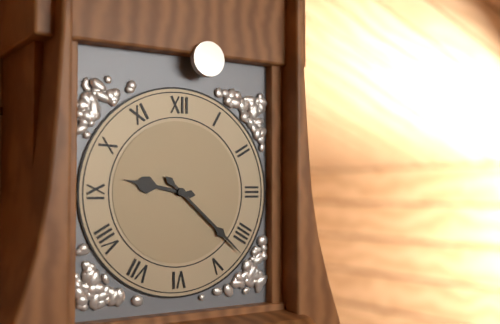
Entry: 9h22
